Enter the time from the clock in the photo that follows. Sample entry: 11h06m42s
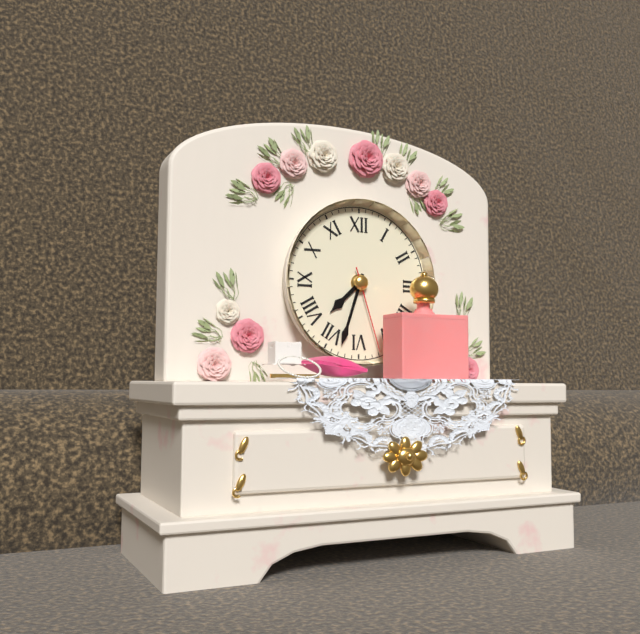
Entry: 7h33m27s
